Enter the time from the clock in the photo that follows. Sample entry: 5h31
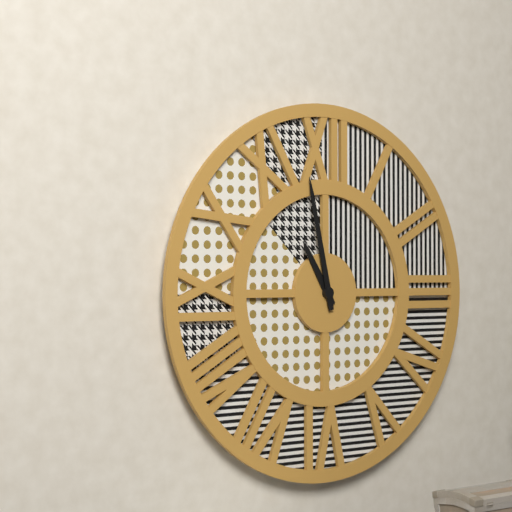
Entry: 10h58
